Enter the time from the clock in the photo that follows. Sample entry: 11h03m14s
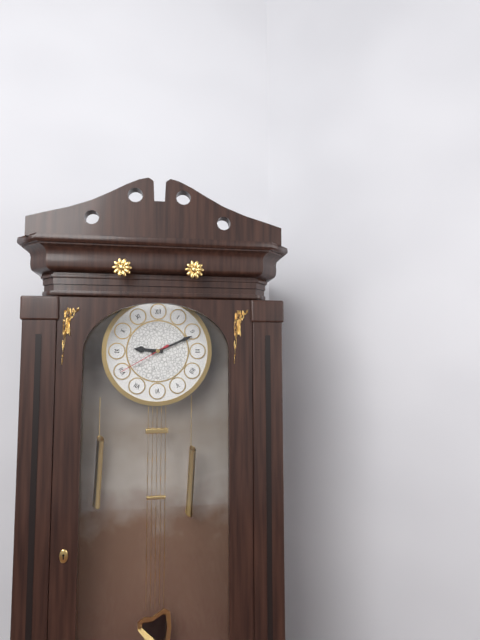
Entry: 9h11m40s
